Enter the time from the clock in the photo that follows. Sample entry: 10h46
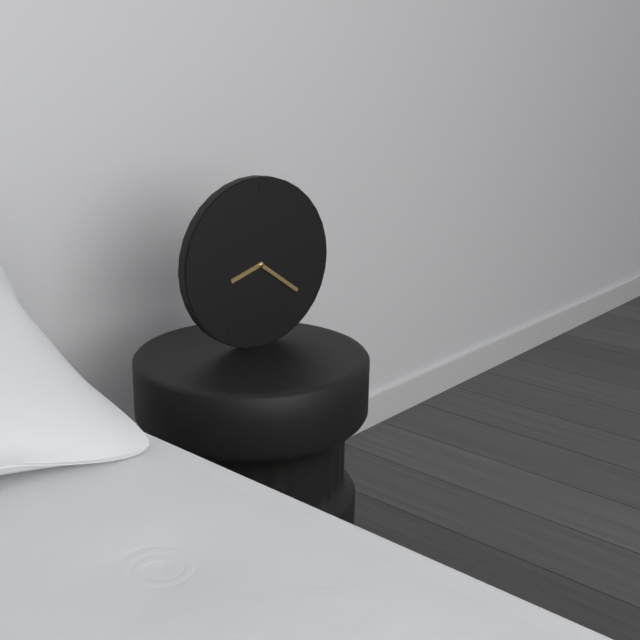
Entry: 8h21
